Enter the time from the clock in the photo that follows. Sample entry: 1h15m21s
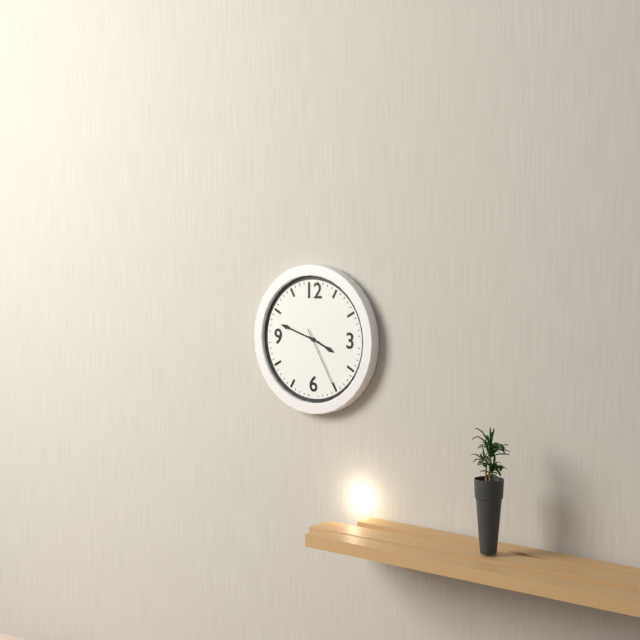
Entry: 3h48m25s
